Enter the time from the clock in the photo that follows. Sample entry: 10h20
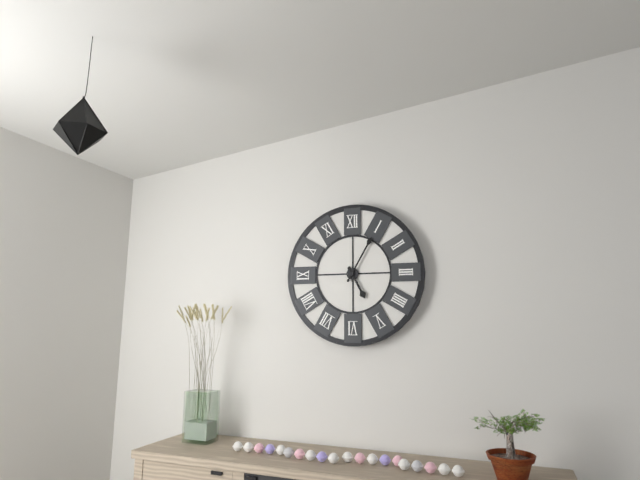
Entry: 5h05
